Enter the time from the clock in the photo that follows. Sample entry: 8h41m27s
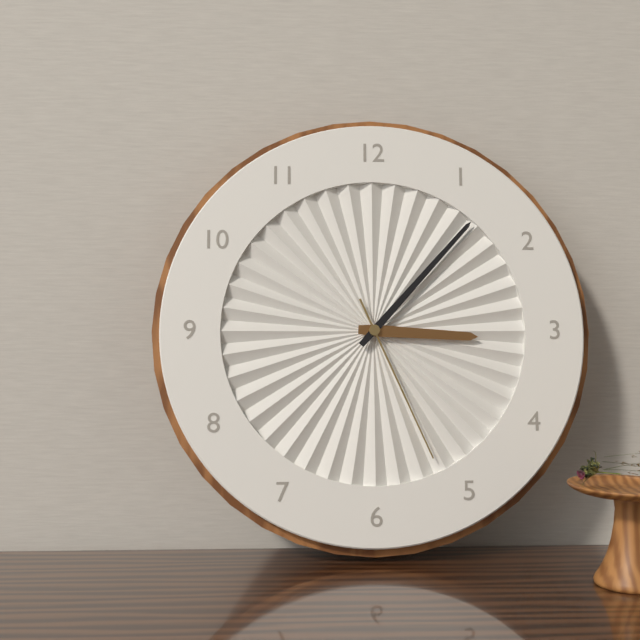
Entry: 3h07m26s
